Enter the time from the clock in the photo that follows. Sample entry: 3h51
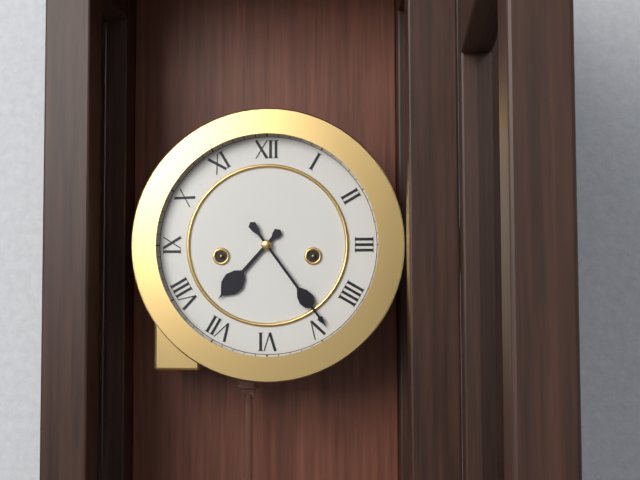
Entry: 7h24
